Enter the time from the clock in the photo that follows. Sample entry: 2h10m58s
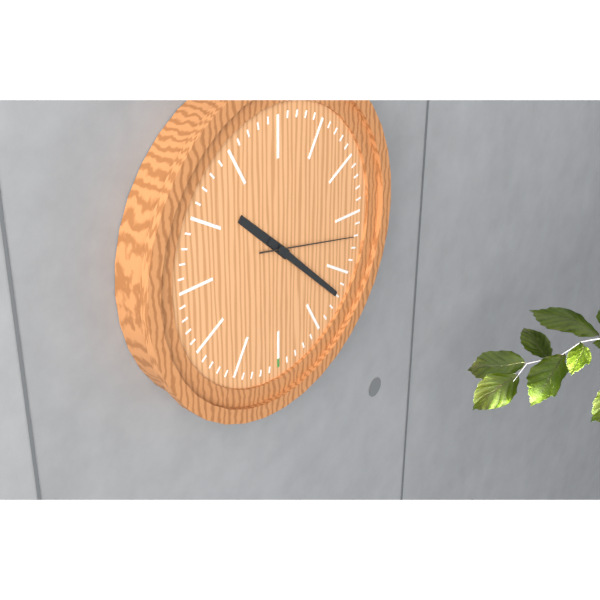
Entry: 10h22m17s
